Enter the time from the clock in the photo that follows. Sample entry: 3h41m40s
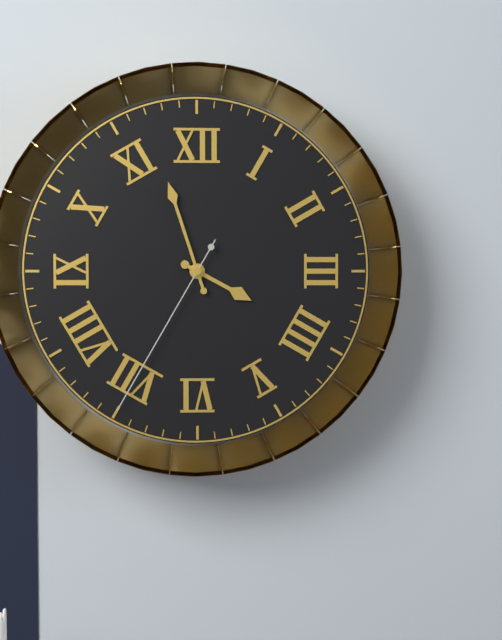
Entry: 3h57m35s
